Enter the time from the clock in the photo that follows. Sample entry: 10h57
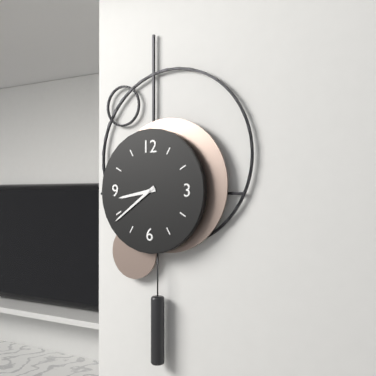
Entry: 8h39
